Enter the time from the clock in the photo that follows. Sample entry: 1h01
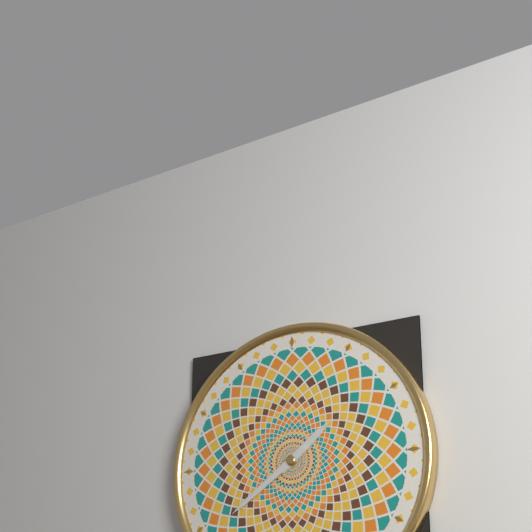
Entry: 1h39
